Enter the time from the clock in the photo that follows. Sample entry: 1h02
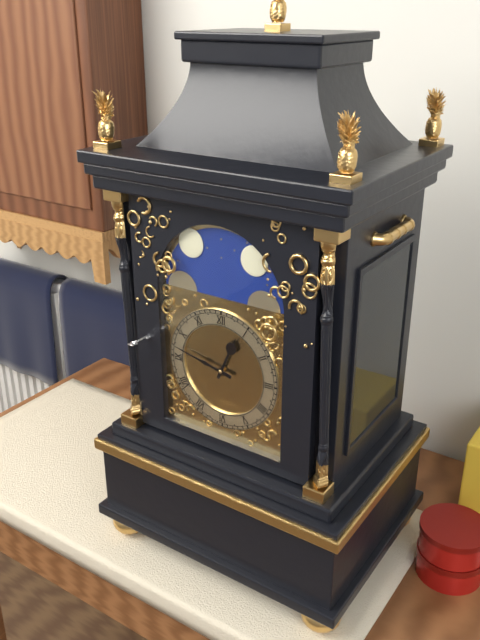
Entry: 12h47
